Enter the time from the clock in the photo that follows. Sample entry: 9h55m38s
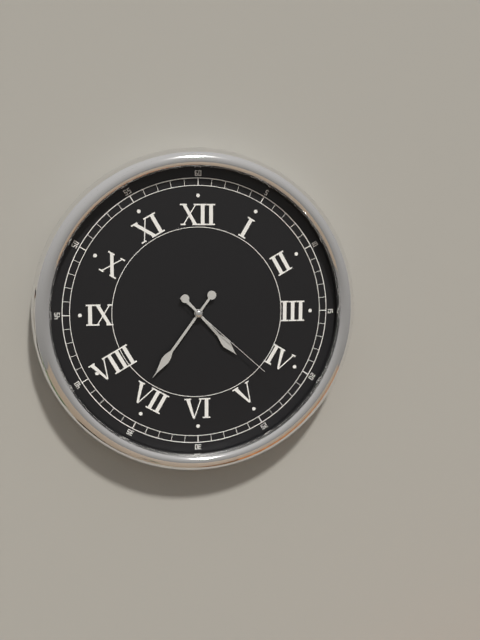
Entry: 4h36m22s
